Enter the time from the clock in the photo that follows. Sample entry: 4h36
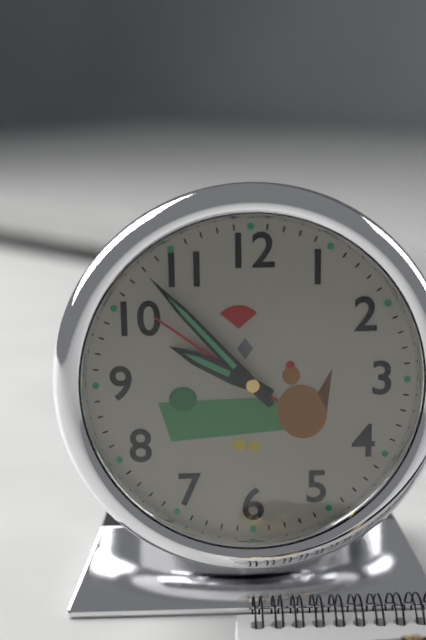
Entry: 9h53
